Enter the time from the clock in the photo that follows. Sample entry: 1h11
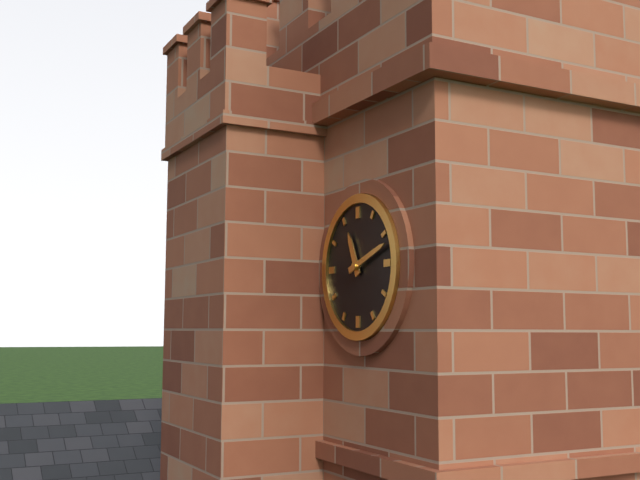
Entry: 11h12
